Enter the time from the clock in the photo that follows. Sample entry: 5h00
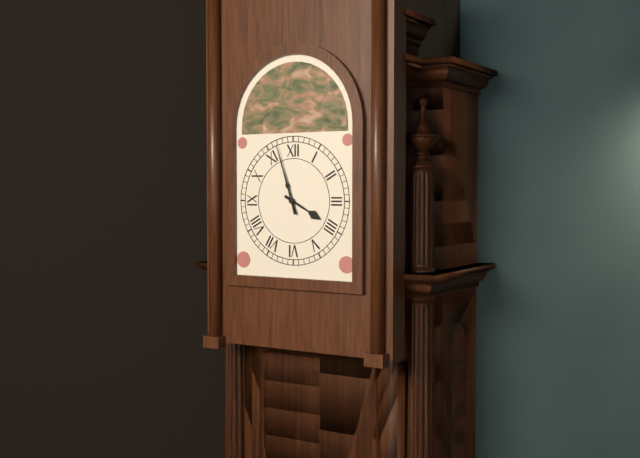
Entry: 3h57
